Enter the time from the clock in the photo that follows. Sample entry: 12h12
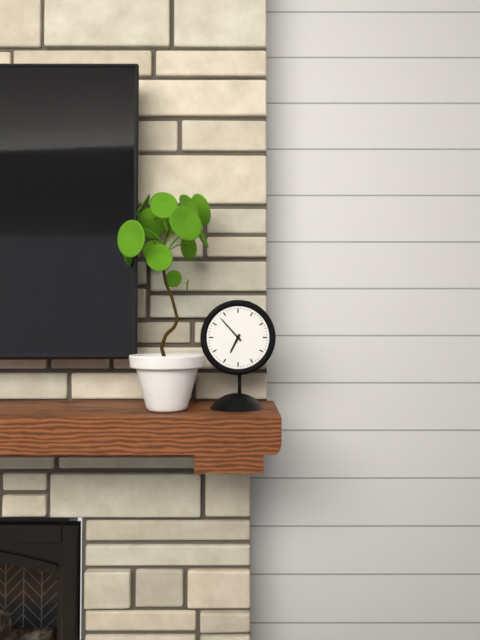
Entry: 6h53
